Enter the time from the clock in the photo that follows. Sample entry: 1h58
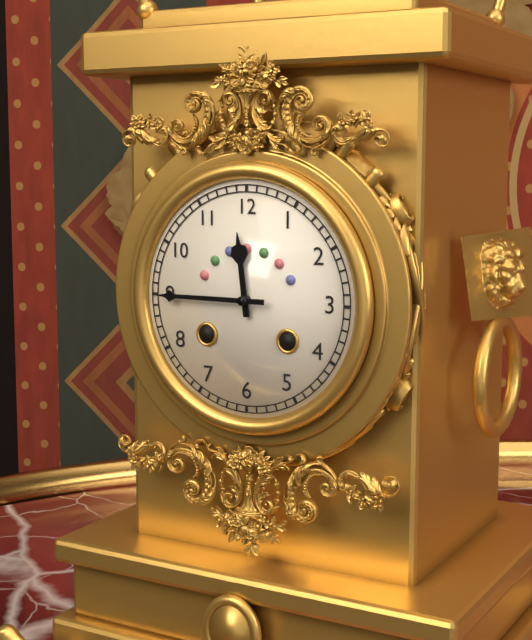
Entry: 11h45
